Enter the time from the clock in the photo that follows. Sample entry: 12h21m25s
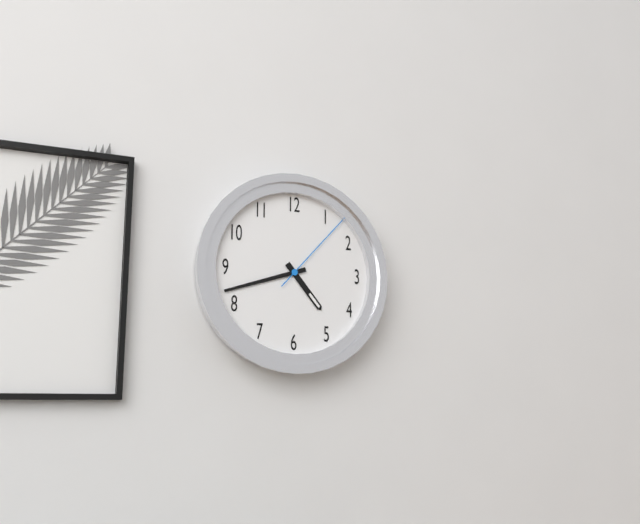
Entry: 4h42m07s
